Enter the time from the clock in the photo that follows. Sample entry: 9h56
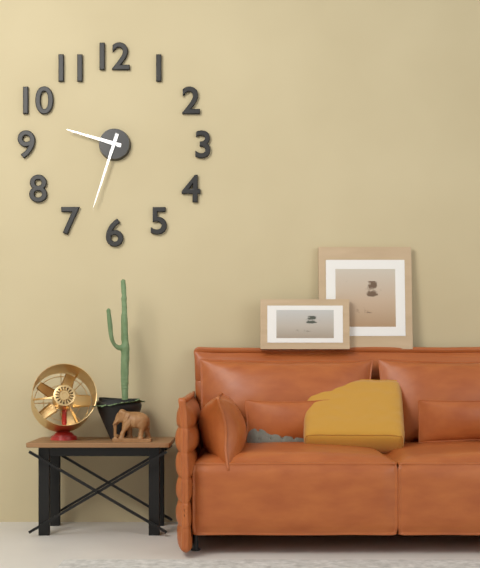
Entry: 9h33
